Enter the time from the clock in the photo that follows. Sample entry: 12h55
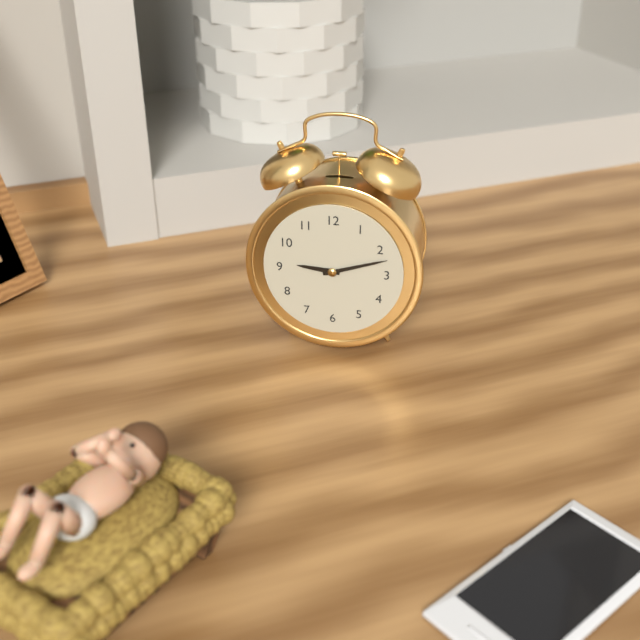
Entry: 9h12
